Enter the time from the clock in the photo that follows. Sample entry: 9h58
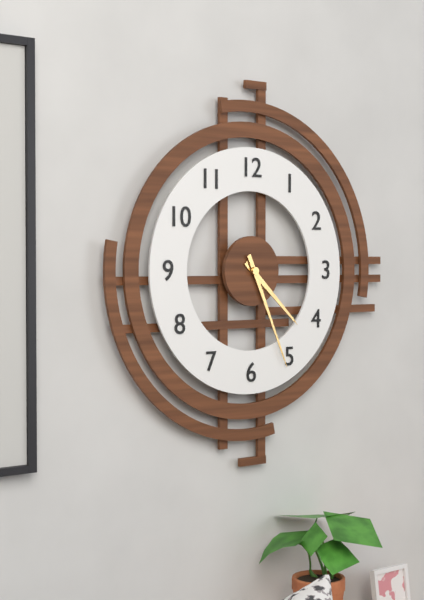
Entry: 4h26
